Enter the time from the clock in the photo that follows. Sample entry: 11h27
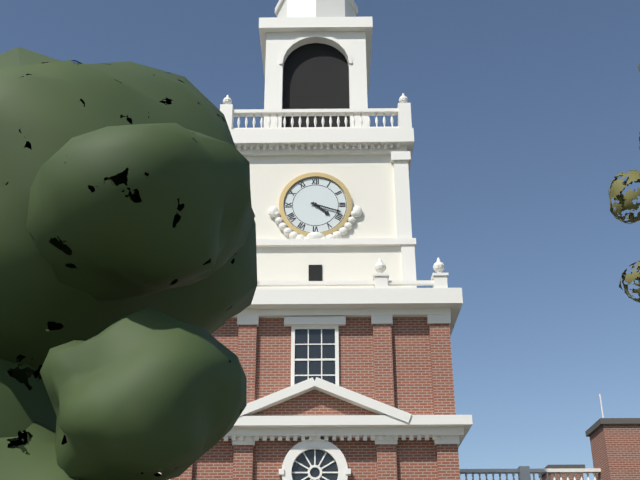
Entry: 4h18
